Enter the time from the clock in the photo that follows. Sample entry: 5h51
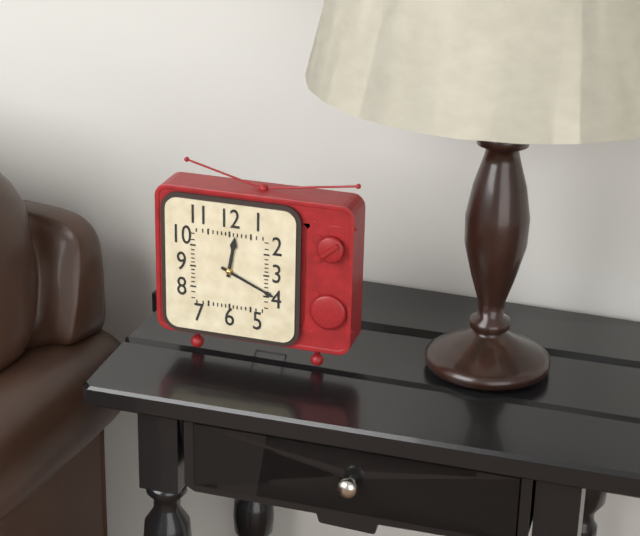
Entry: 12h19
